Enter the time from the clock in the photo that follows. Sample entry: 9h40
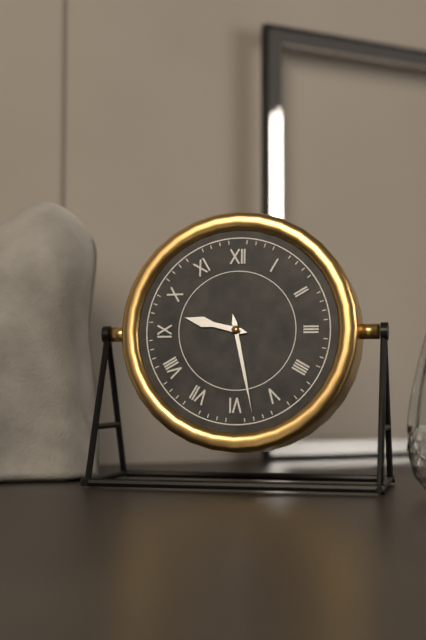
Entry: 9h28
